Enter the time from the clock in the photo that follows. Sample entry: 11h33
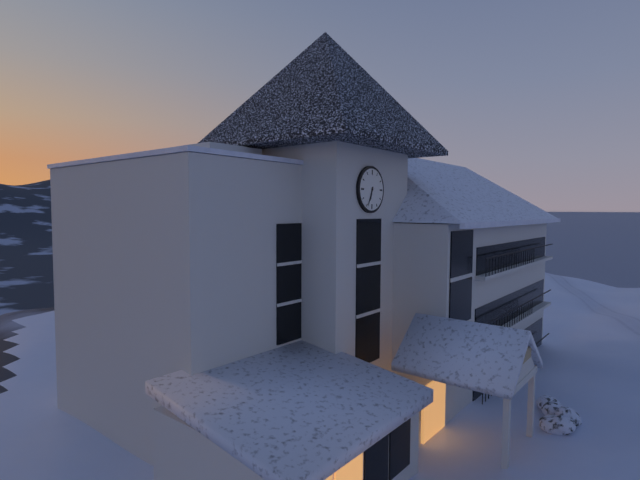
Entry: 6h34
